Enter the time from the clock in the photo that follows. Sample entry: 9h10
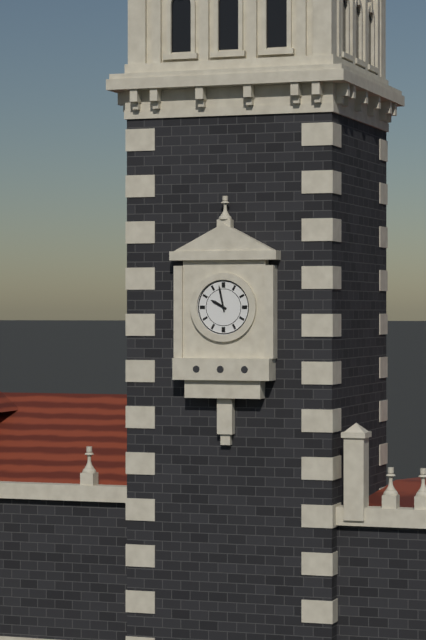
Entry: 9h58
